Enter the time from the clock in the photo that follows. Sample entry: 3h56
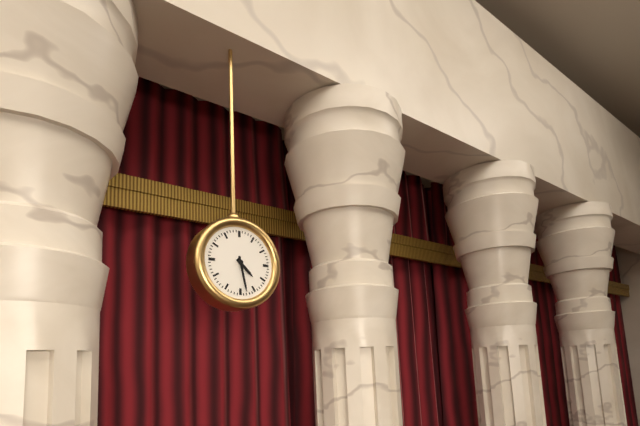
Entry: 4h28
